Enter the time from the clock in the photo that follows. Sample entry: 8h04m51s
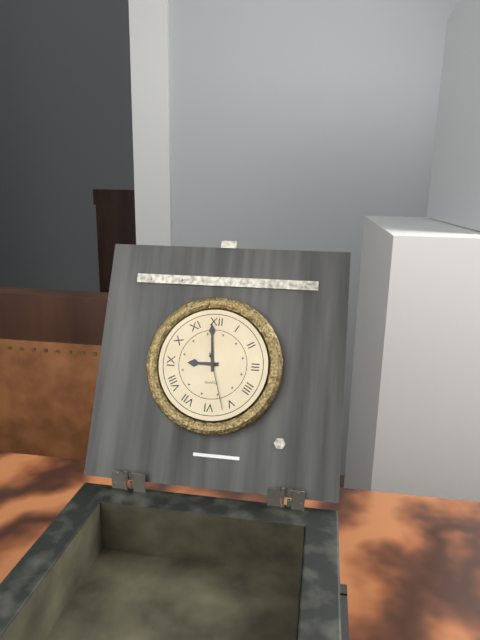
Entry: 8h59m27s
